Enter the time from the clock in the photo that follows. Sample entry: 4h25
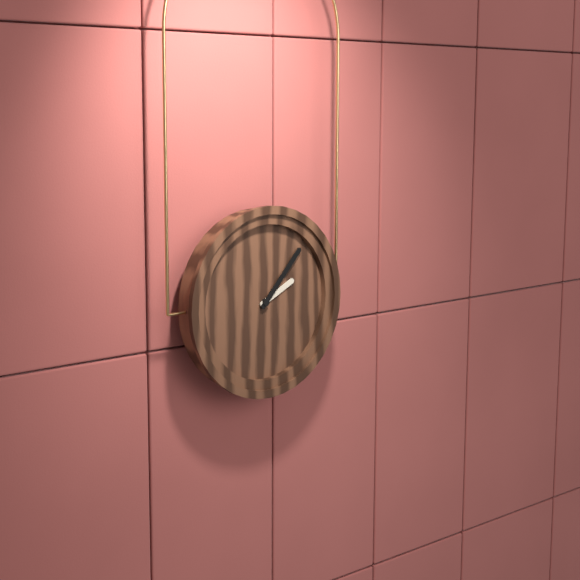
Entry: 2h07
